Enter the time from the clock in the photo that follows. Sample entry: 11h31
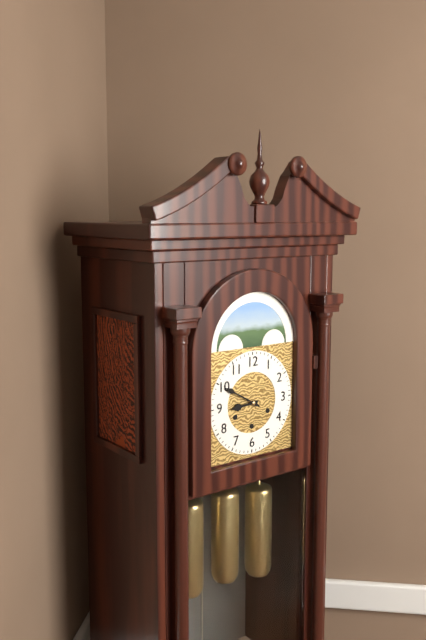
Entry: 8h50
